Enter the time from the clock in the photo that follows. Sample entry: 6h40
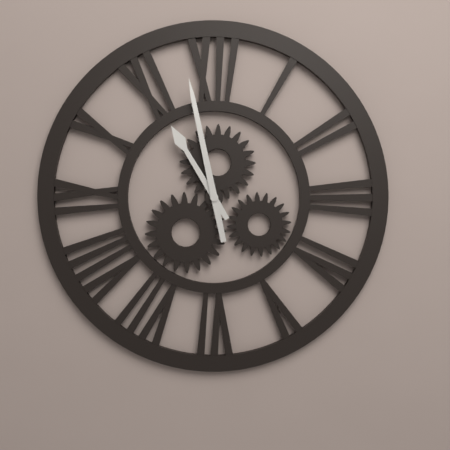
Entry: 10h58
